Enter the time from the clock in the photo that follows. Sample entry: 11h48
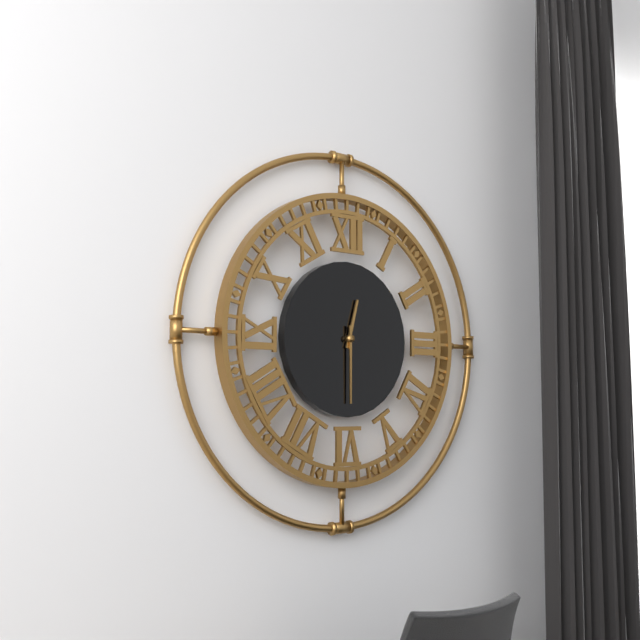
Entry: 12h30
